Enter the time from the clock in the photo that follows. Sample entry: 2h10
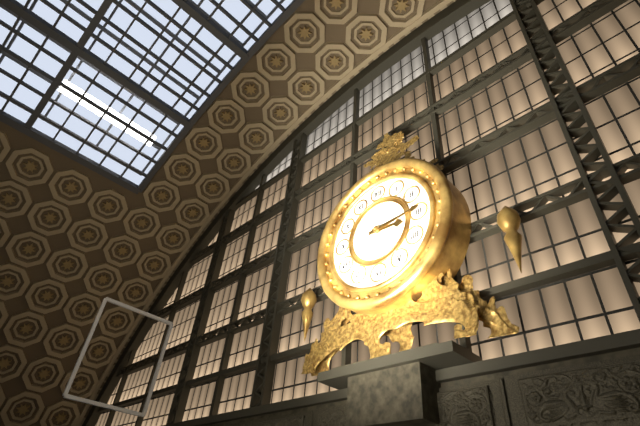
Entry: 3h14
